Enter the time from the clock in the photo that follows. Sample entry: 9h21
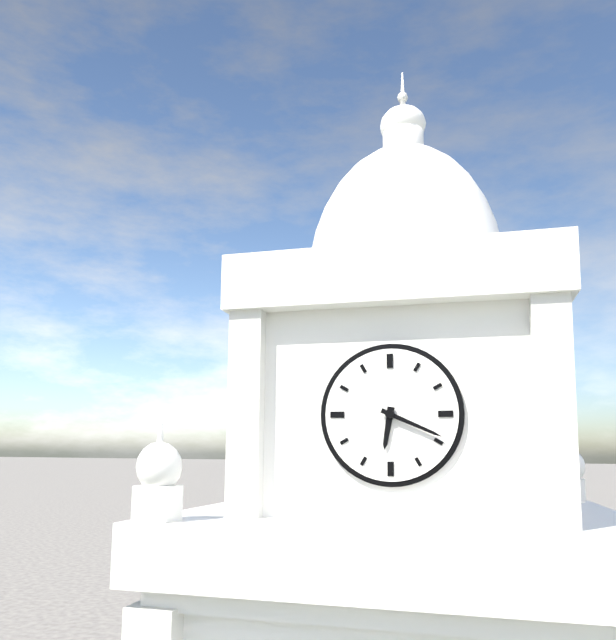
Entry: 6h19
